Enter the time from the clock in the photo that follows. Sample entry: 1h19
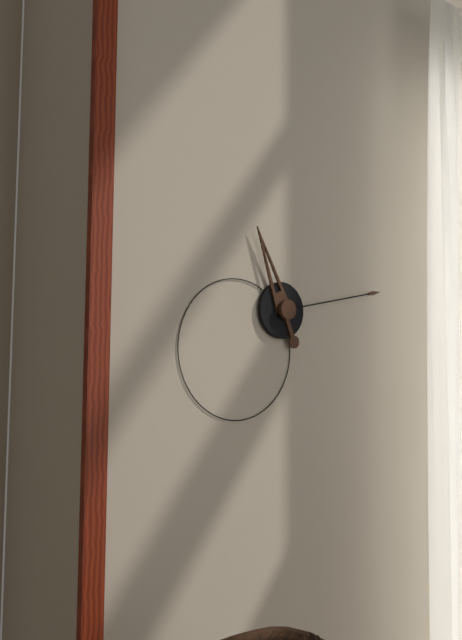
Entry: 11h13
